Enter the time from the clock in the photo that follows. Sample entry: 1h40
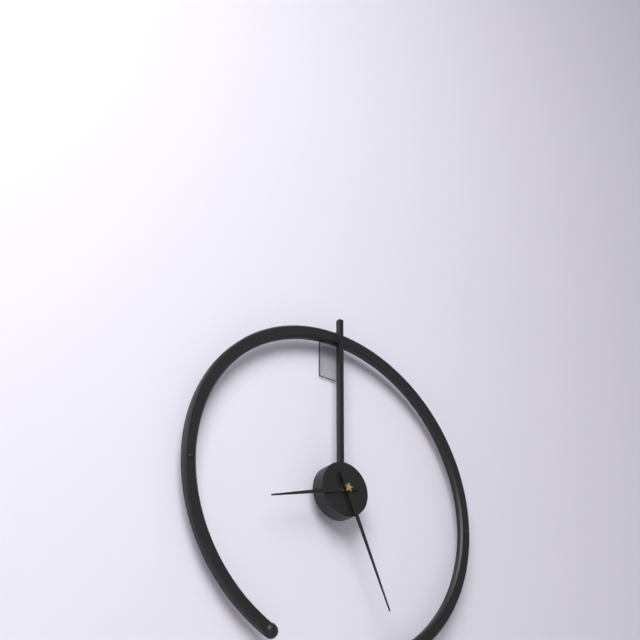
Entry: 8h26
